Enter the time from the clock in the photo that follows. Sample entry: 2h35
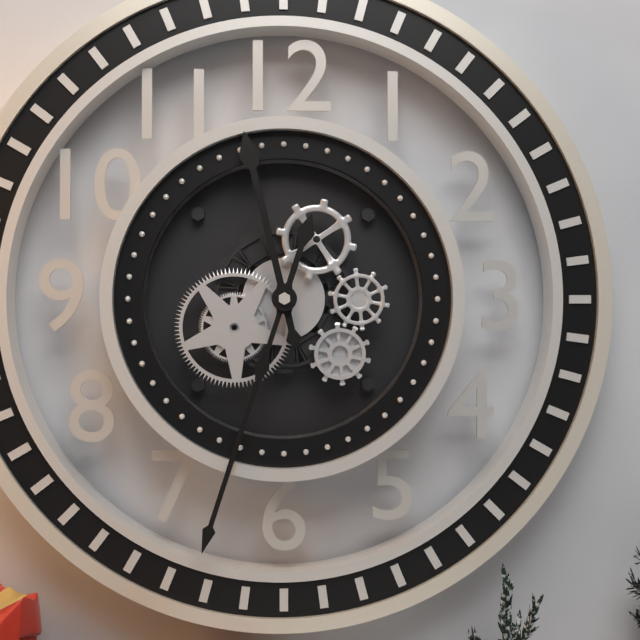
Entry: 11h33
